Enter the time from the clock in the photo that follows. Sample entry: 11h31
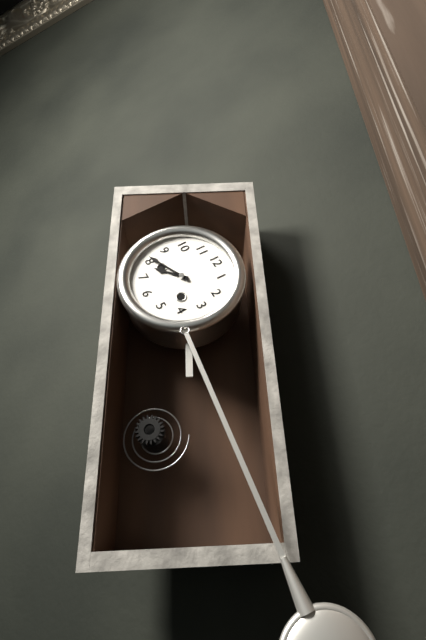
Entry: 7h41
